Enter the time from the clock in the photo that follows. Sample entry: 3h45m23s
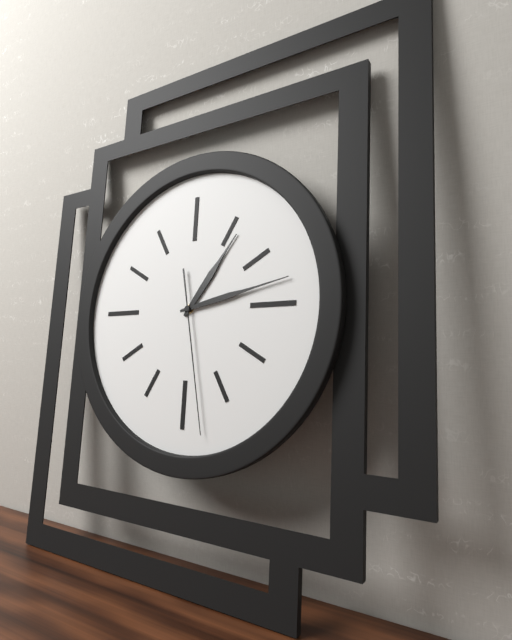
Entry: 1h13m28s
